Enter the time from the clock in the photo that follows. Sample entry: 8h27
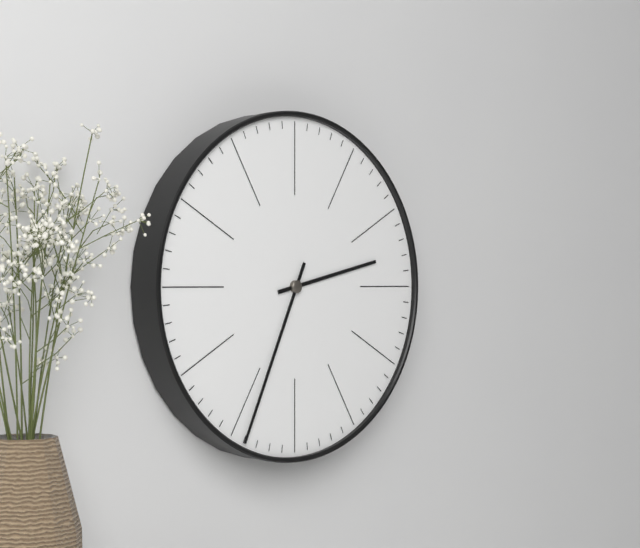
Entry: 2h34
